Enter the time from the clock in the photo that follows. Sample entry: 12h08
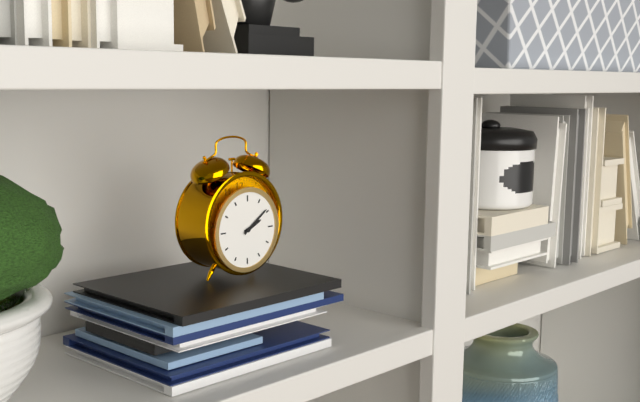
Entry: 2h09
